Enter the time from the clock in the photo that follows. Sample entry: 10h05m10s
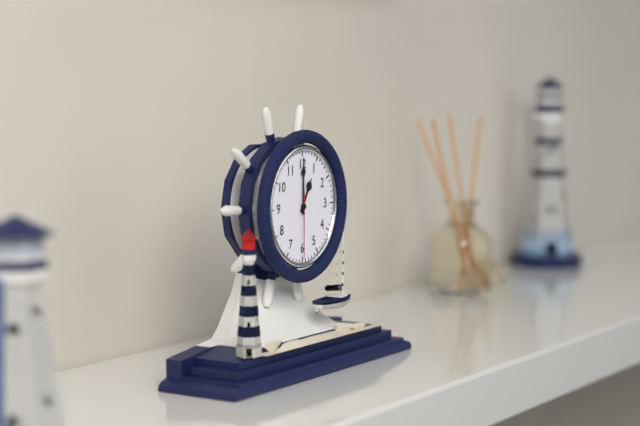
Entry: 1h00m30s
